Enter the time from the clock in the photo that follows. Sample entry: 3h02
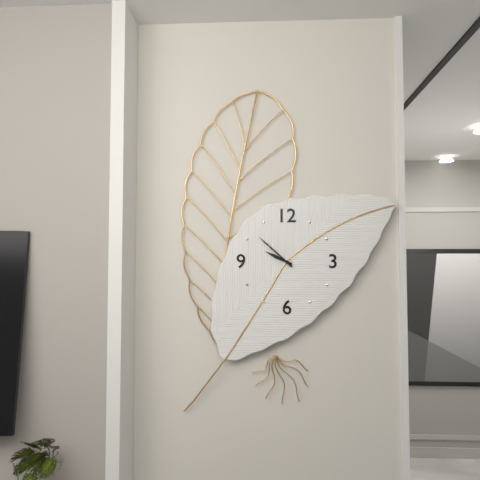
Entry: 9h52
